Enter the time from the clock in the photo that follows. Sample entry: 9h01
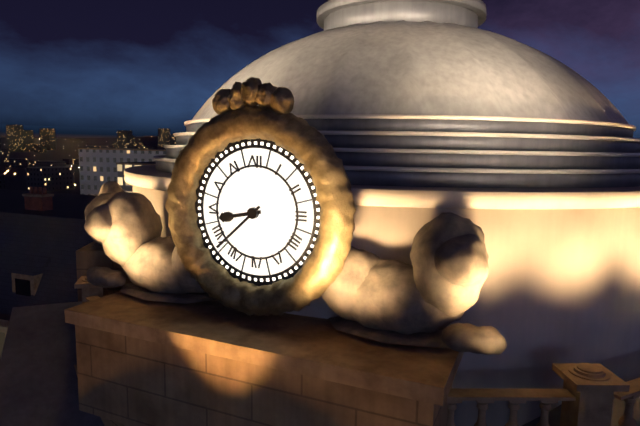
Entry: 8h38
